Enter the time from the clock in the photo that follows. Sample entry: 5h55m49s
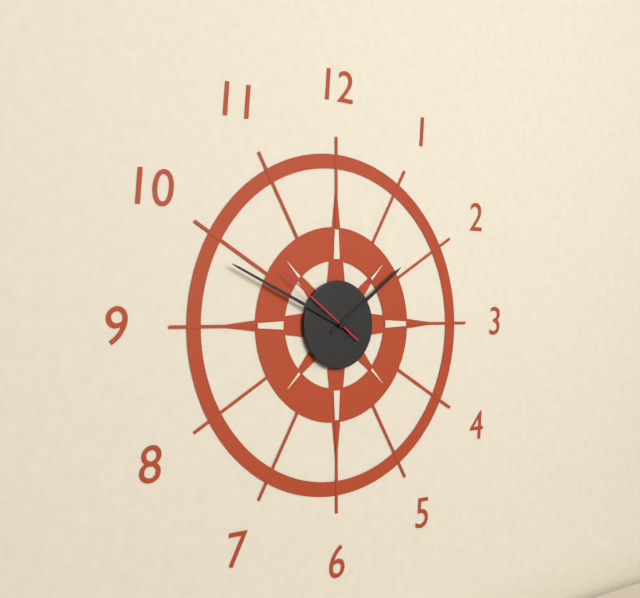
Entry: 1h49m51s
